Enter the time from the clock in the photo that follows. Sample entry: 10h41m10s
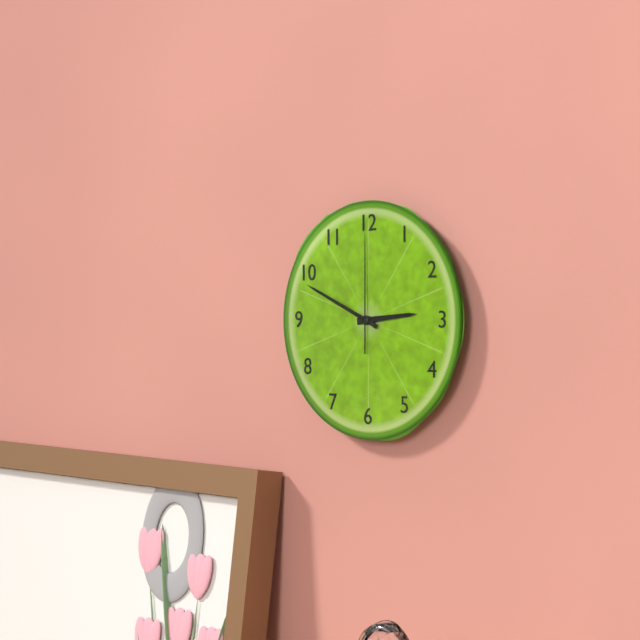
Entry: 2h49m00s
